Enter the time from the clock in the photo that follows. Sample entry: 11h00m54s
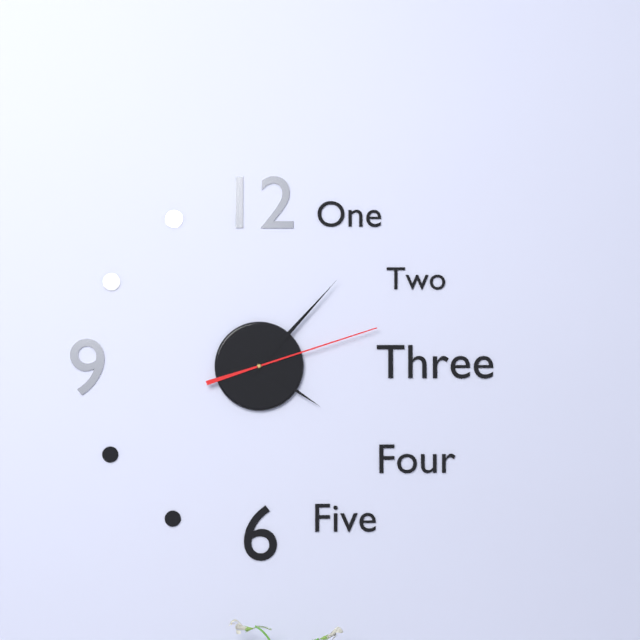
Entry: 4h07m12s
